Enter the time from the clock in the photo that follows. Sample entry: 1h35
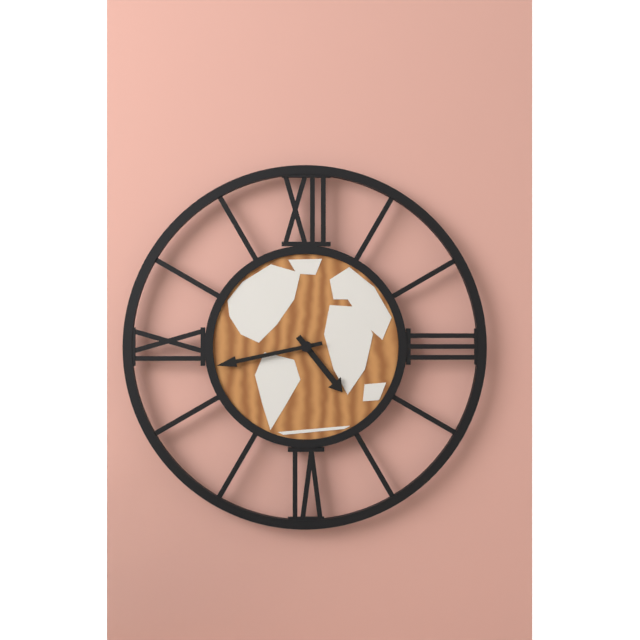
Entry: 4h43
